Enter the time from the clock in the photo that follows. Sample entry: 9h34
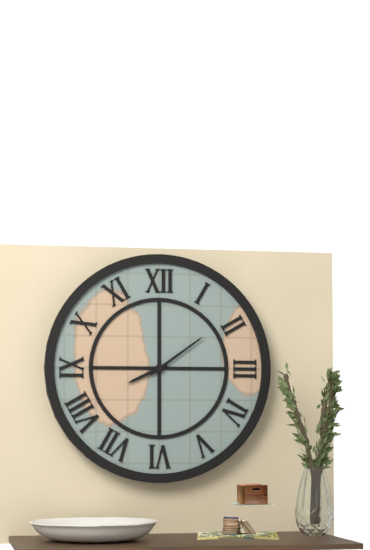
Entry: 8h09
